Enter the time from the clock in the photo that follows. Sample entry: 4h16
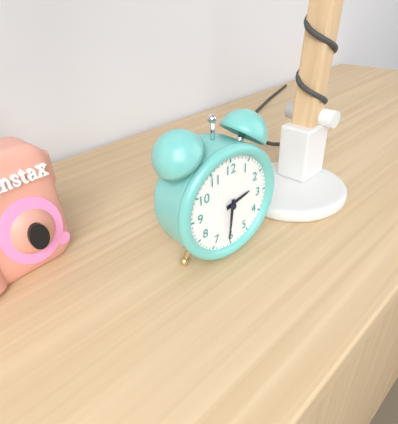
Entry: 2h31
